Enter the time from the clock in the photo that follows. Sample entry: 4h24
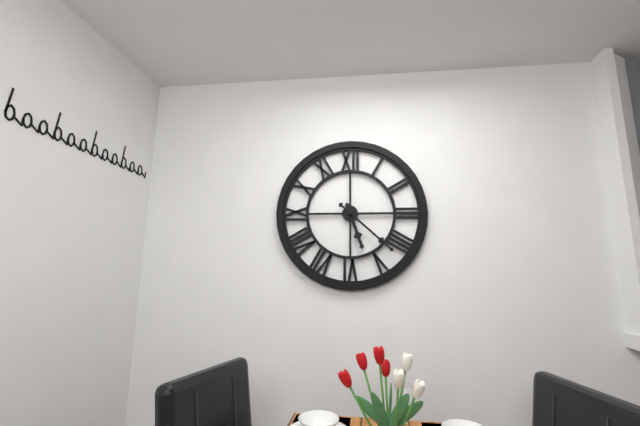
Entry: 5h22
